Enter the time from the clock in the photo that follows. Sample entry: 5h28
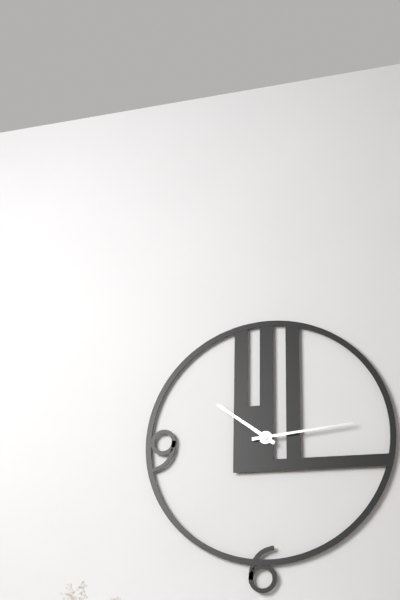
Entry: 10h14
